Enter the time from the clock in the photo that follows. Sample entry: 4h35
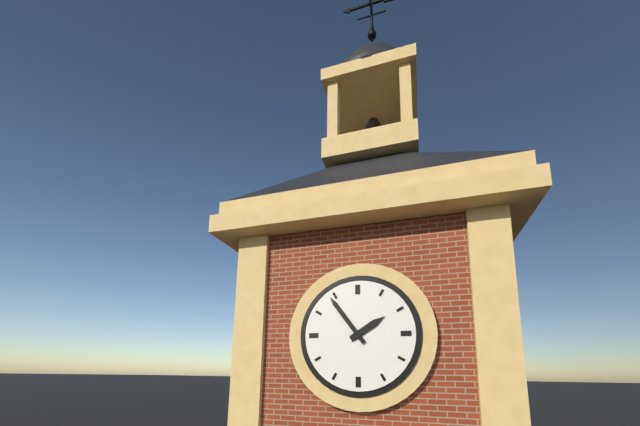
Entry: 1h54
